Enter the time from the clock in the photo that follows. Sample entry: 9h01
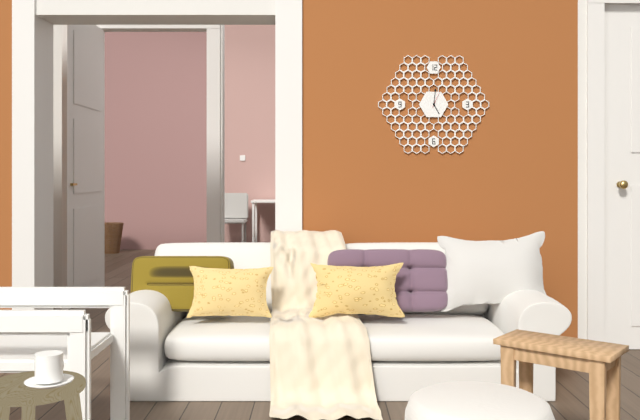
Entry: 5h01
